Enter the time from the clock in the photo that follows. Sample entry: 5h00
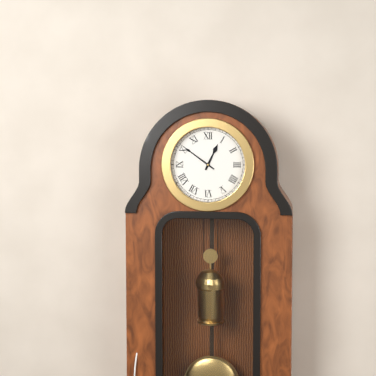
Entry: 12h51
